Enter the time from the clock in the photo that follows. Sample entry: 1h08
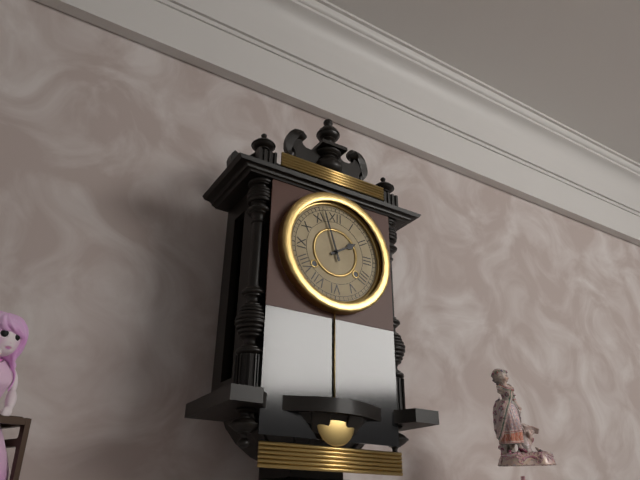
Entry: 1h57
